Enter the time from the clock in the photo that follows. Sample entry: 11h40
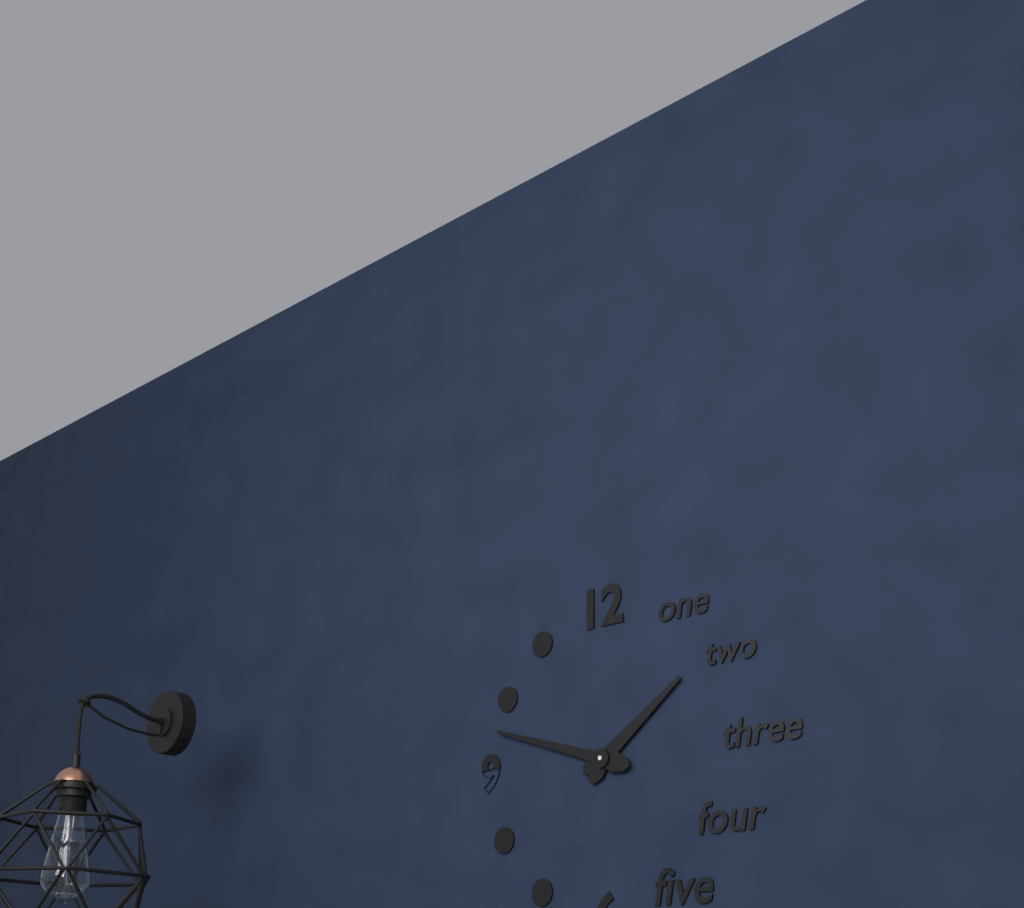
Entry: 1h48
